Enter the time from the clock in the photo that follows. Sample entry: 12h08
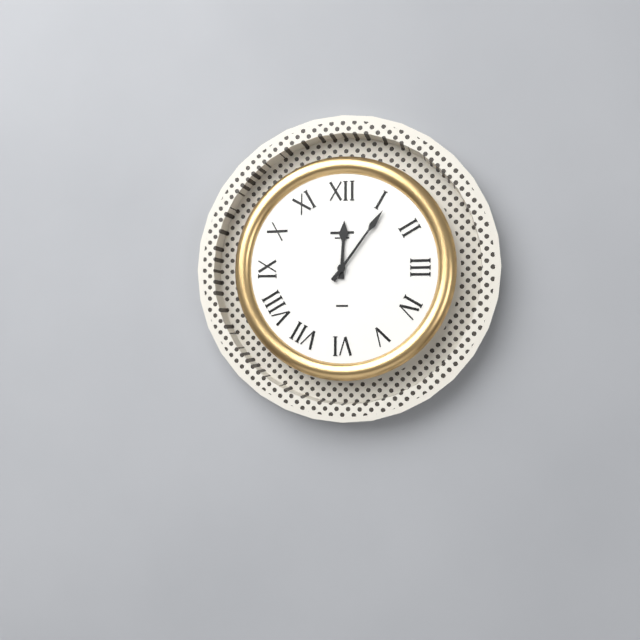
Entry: 12h06
